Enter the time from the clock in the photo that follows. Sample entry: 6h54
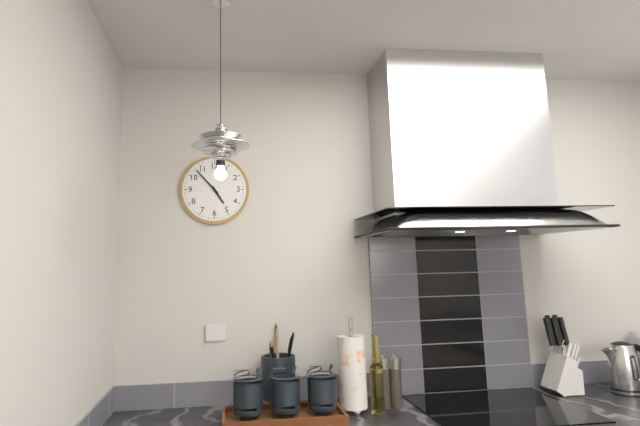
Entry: 4h53
